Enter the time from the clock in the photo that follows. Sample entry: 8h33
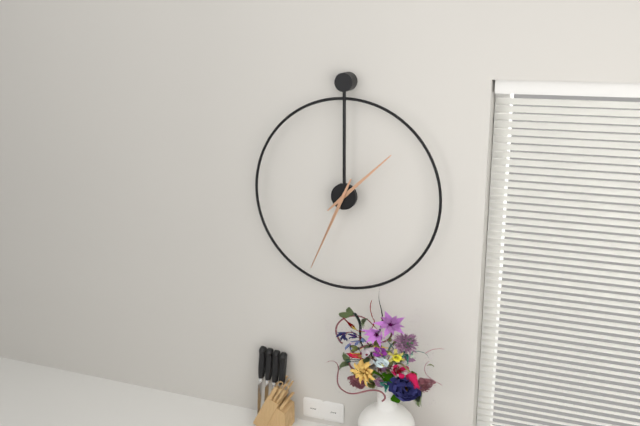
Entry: 1h34
